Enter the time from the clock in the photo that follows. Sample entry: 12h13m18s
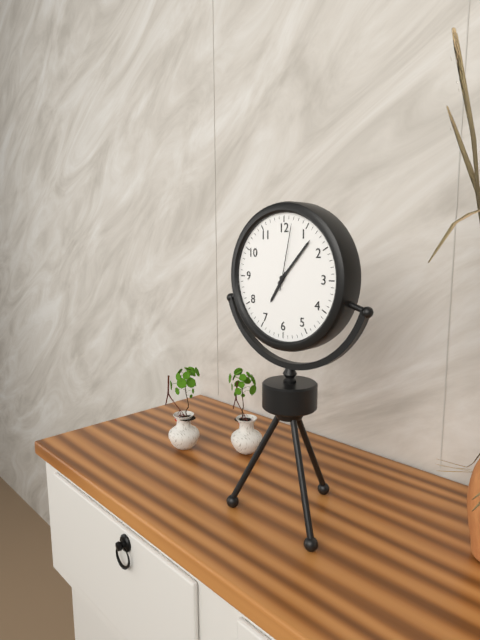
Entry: 7h07m02s
